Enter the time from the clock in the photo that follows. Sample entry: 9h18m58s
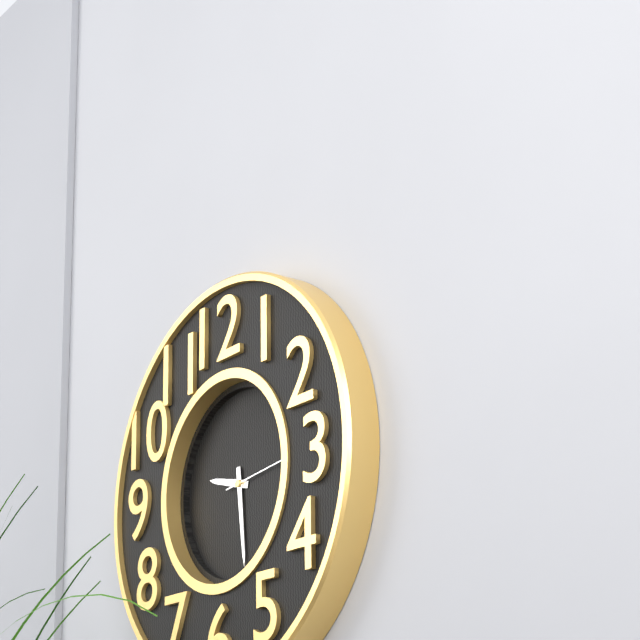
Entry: 9h29m14s
